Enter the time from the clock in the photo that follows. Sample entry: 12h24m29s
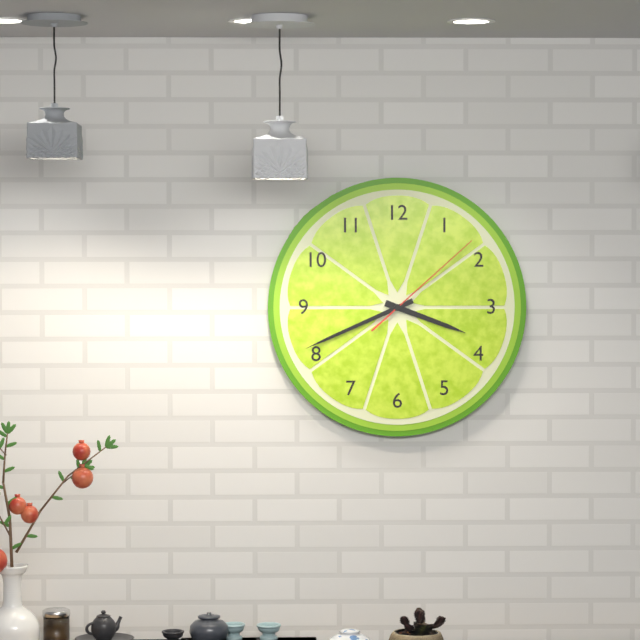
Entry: 3h41m08s
